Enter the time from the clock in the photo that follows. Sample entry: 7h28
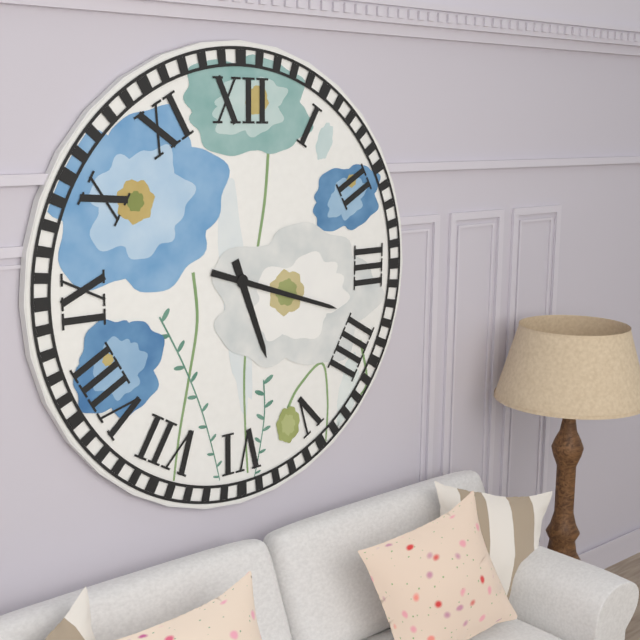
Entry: 5h18
